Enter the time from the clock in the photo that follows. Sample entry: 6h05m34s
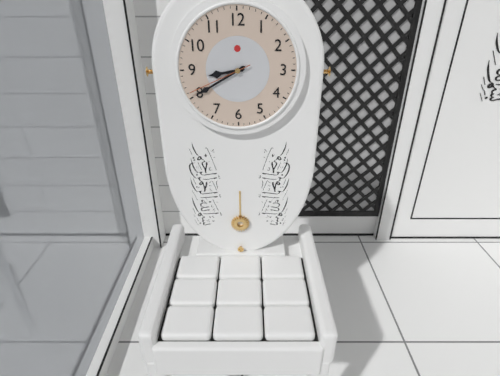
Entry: 8h40m41s
